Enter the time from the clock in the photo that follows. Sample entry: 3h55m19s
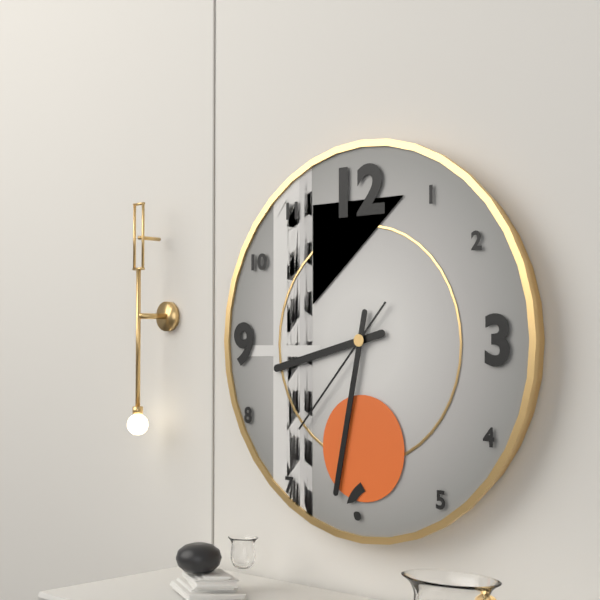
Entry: 8h32m37s
